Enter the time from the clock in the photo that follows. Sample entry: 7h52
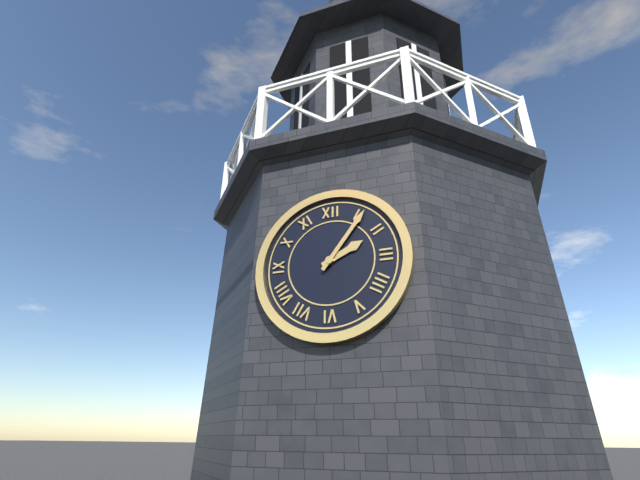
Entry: 2h06
